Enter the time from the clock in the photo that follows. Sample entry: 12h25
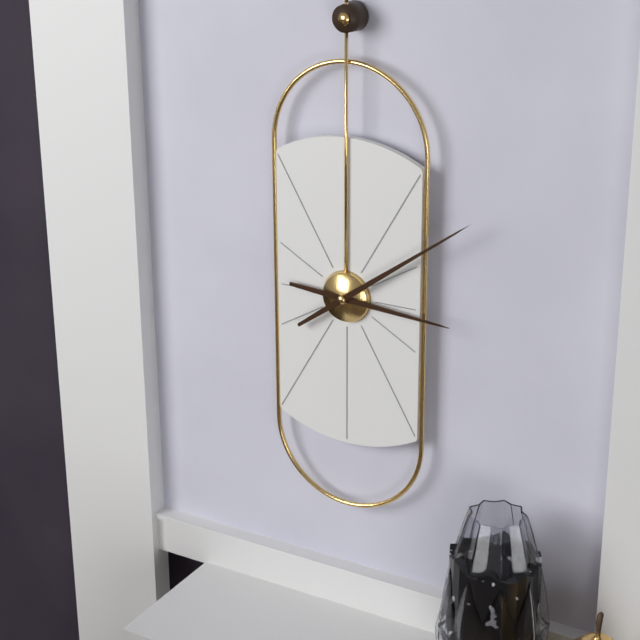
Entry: 3h09
